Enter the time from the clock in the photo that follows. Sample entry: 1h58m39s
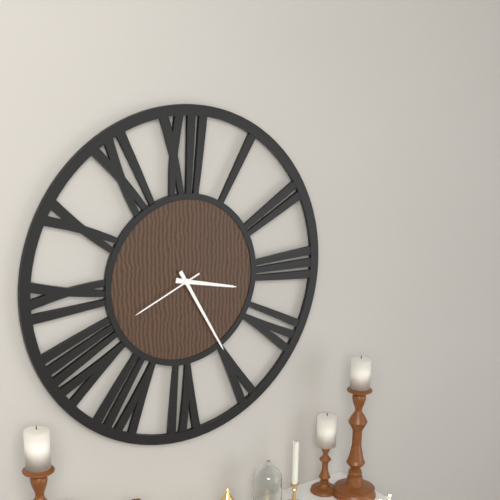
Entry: 3h25m41s
